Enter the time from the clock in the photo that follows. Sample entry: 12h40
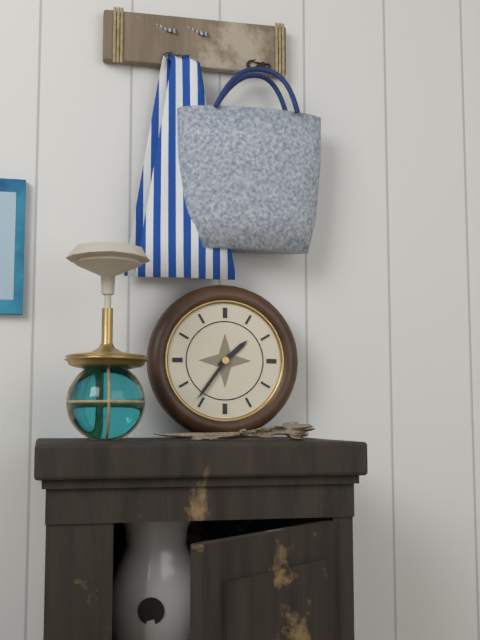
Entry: 1h36
